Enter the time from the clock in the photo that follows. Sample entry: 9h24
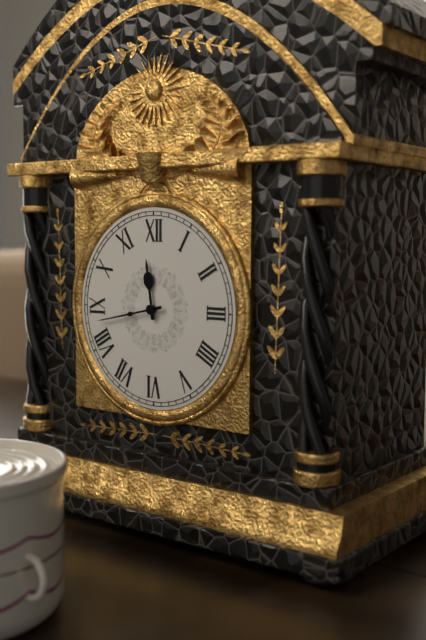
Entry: 11h43
